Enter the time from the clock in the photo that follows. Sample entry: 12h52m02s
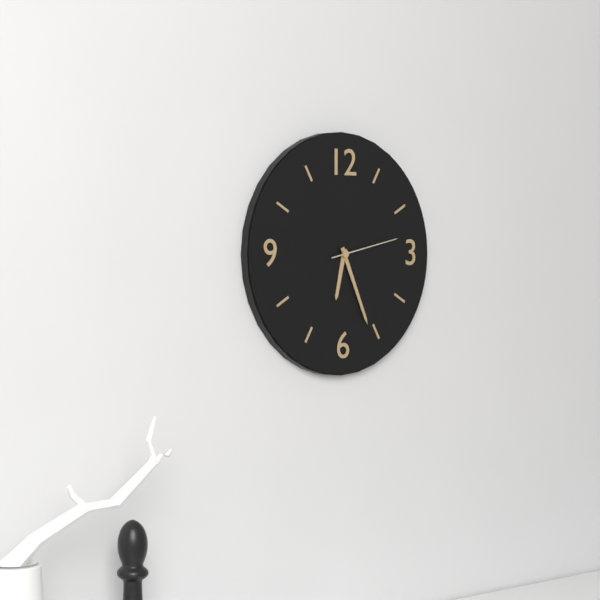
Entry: 6h26m13s
